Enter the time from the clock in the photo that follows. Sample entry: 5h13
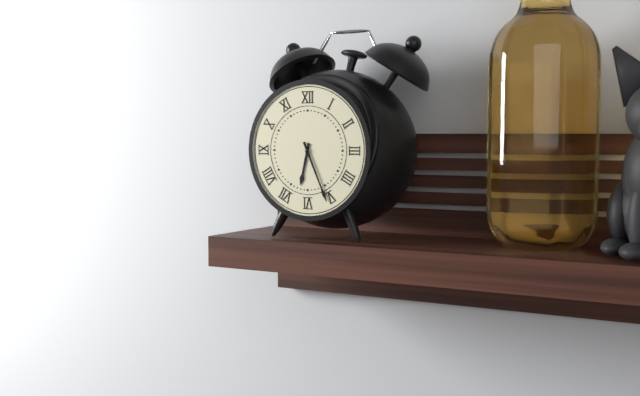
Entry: 6h26
